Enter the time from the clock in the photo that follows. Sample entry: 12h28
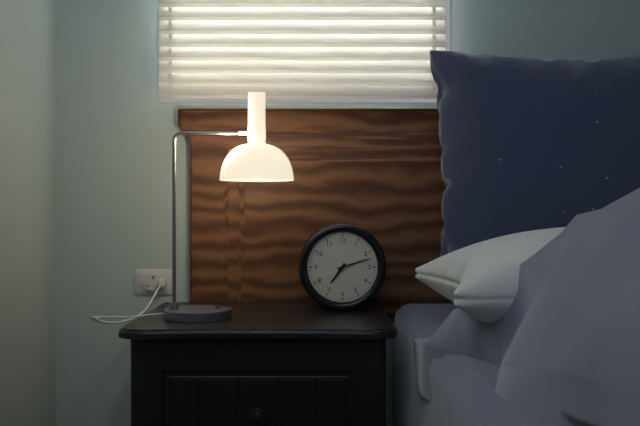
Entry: 7h12
